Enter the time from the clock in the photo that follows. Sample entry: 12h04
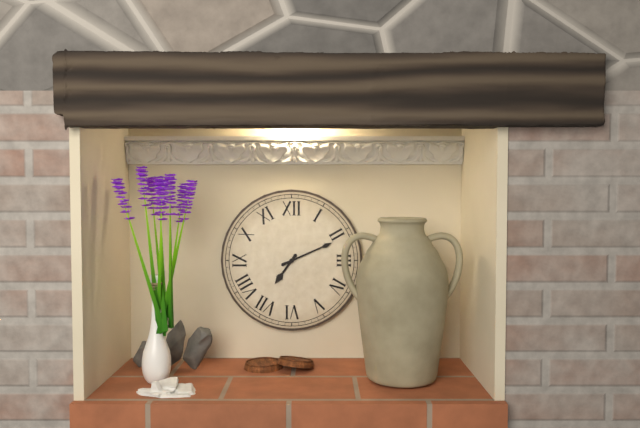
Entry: 7h11
